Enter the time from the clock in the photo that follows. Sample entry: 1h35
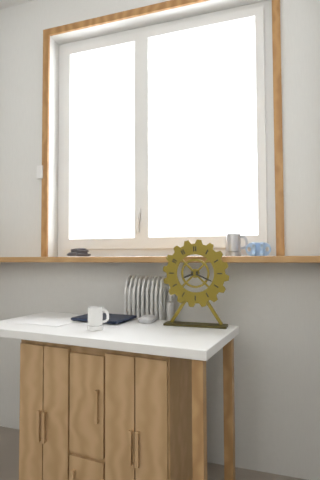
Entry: 8h19
